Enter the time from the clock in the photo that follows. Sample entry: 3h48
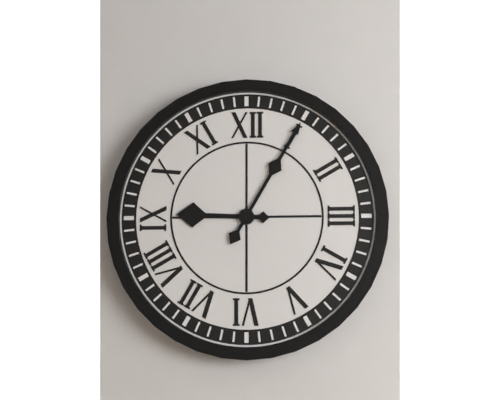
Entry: 9h05
